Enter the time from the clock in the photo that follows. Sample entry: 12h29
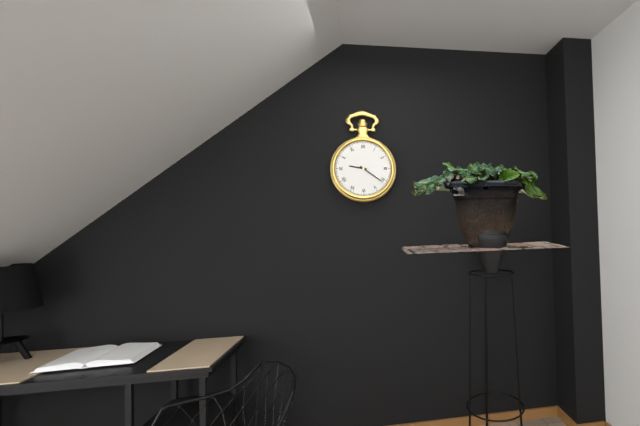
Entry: 9h21
